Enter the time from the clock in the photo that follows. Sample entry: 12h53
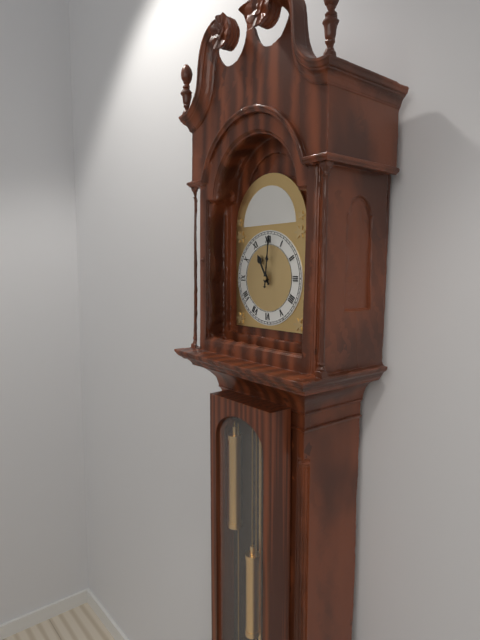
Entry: 11h01
